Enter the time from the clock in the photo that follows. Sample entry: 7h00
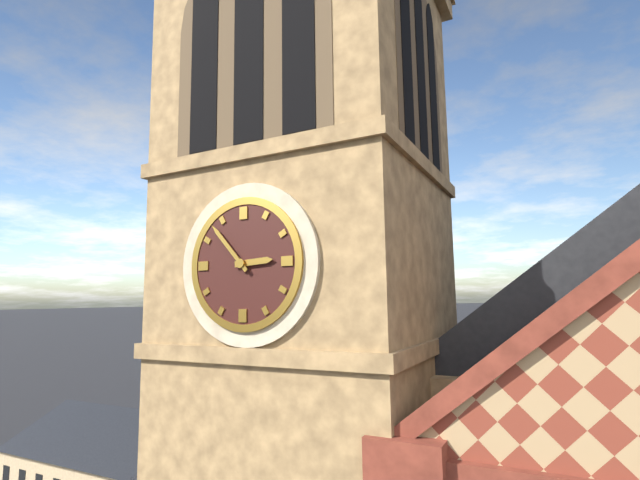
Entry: 2h53
